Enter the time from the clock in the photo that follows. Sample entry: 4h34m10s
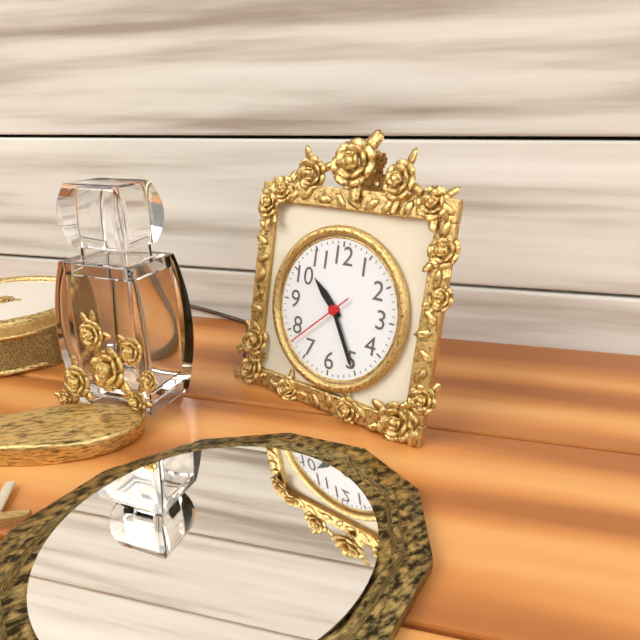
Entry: 10h25m38s
